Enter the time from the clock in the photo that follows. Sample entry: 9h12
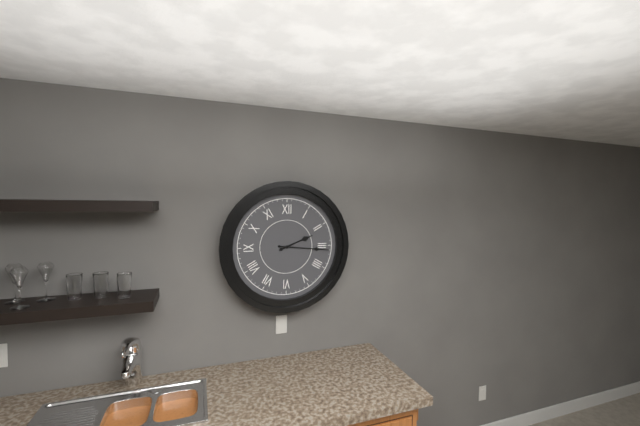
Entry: 2h16
